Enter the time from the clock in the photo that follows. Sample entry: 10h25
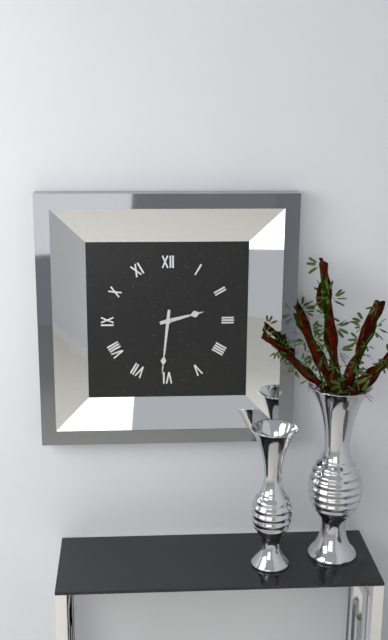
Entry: 2h31
